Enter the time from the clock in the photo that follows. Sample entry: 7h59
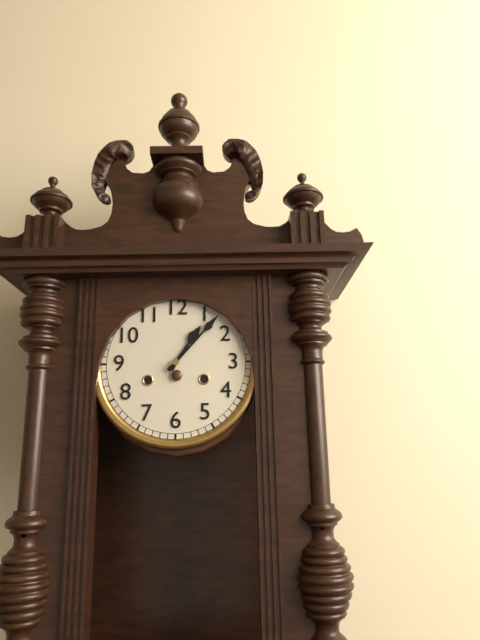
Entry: 1h07
